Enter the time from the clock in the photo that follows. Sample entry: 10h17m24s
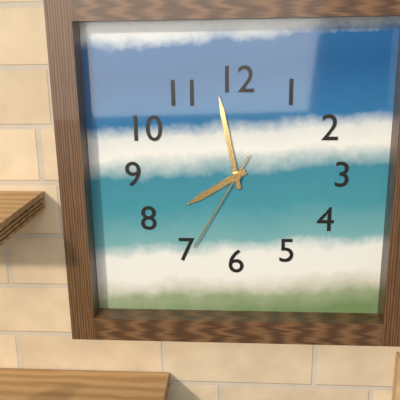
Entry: 7h58m35s
